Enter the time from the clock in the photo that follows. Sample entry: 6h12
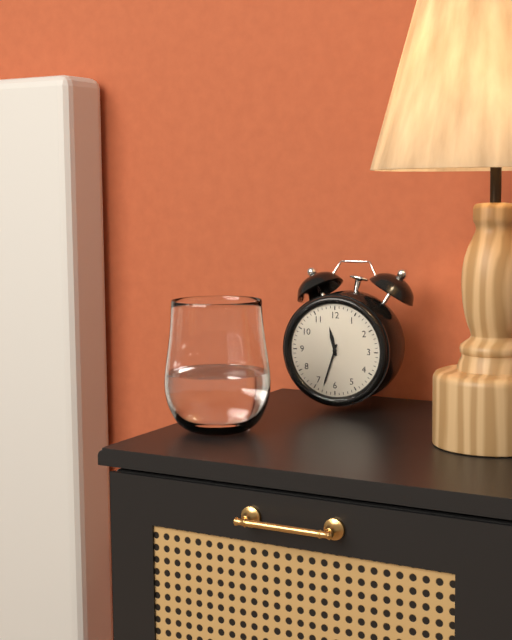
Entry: 11h33
